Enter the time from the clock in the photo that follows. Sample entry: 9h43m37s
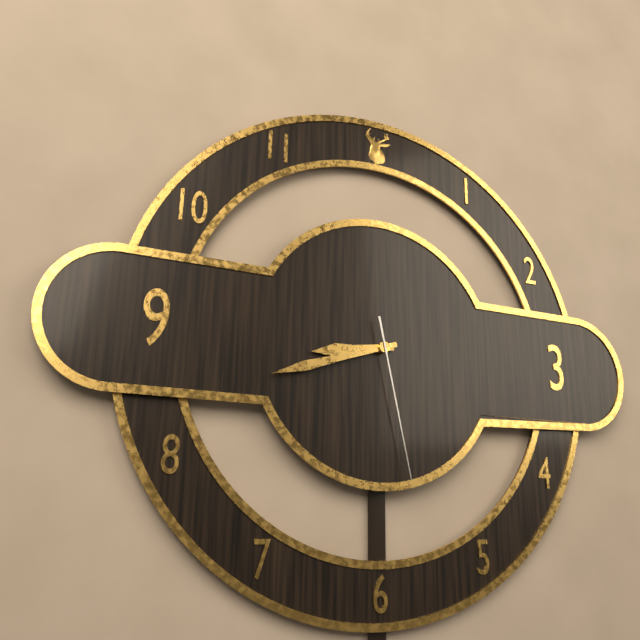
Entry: 8h42m28s
